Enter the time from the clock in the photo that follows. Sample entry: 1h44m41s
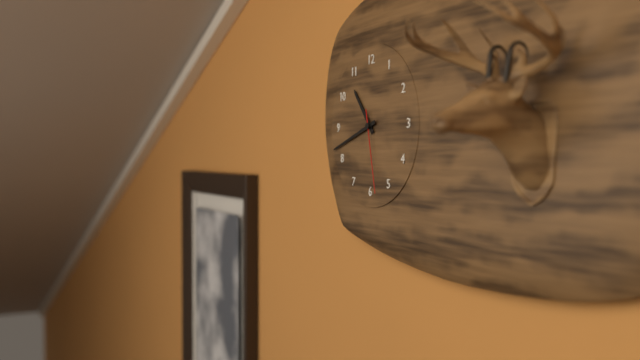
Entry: 10h42m28s
